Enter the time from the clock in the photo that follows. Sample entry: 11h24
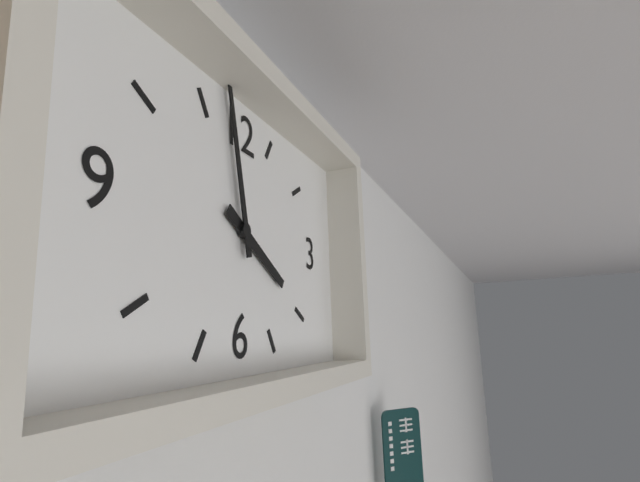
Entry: 3h58
